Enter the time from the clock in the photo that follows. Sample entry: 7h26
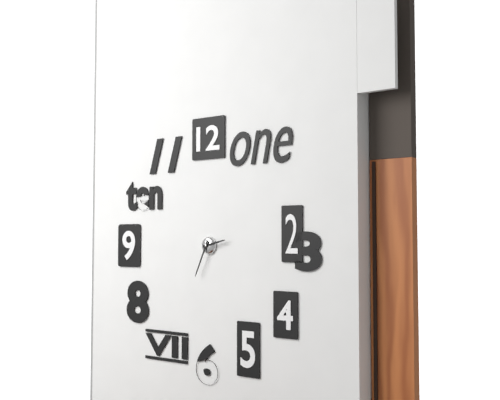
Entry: 2h34
